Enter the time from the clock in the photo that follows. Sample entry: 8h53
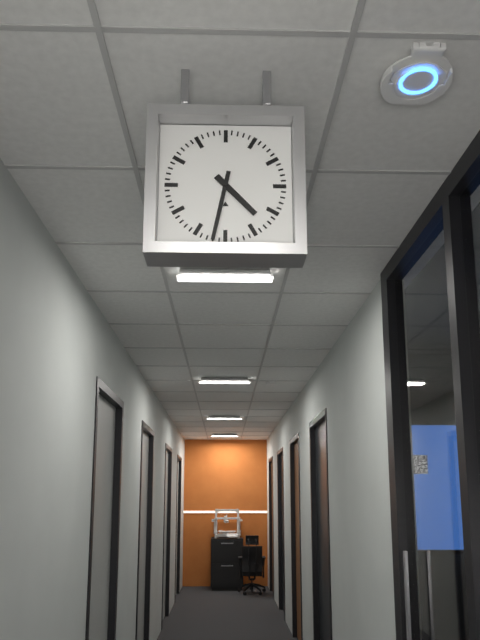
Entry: 4h32
